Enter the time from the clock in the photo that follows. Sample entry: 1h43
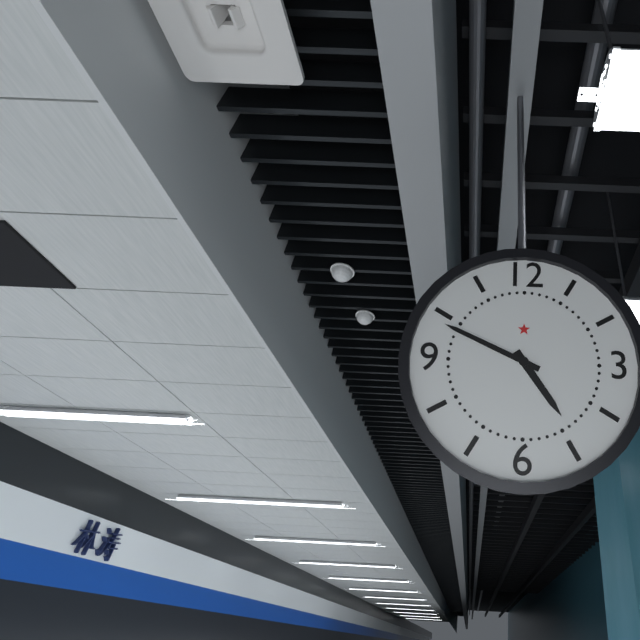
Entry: 4h49
